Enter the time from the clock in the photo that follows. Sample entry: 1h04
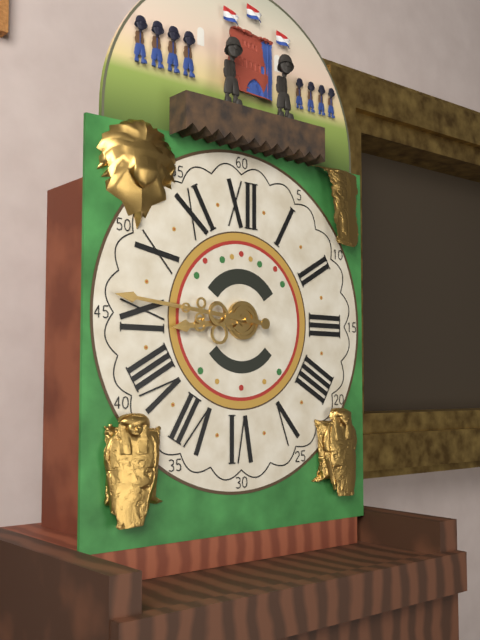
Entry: 8h46
